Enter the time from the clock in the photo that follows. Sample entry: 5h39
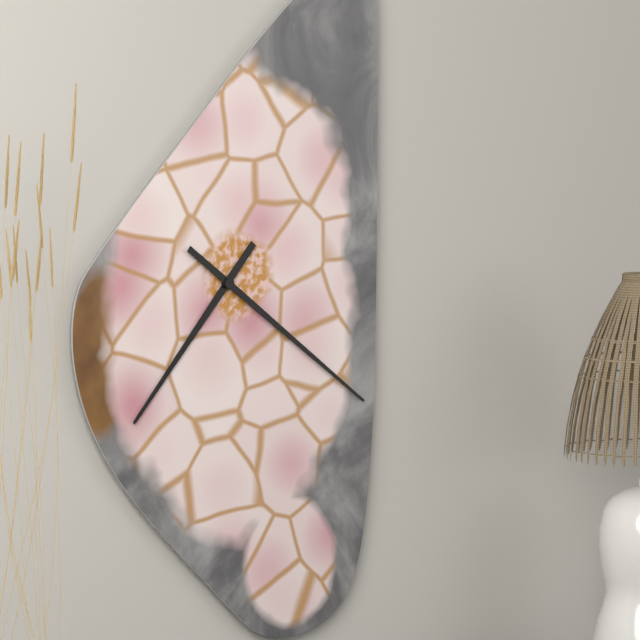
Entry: 7h21
